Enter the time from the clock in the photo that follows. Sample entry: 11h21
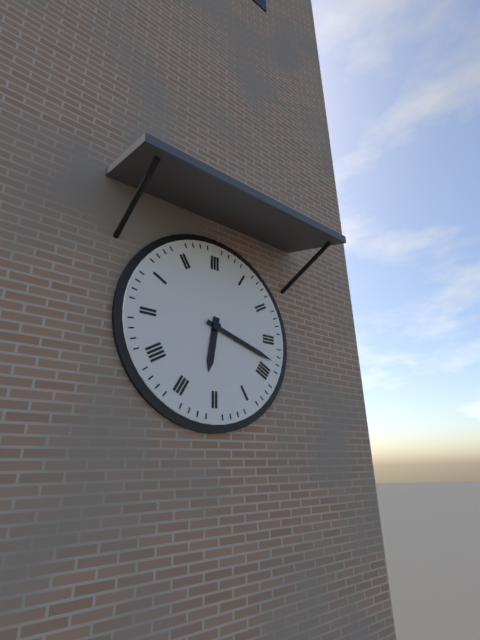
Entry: 6h18
